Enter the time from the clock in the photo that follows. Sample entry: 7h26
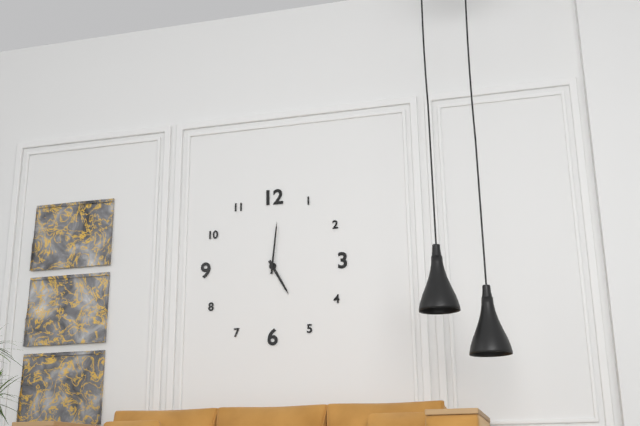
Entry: 5h01
